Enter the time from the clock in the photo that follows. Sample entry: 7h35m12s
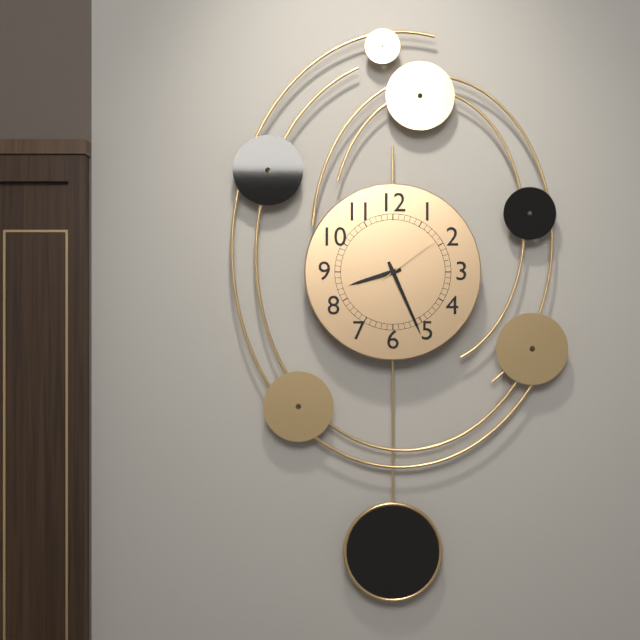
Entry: 8h26m09s
